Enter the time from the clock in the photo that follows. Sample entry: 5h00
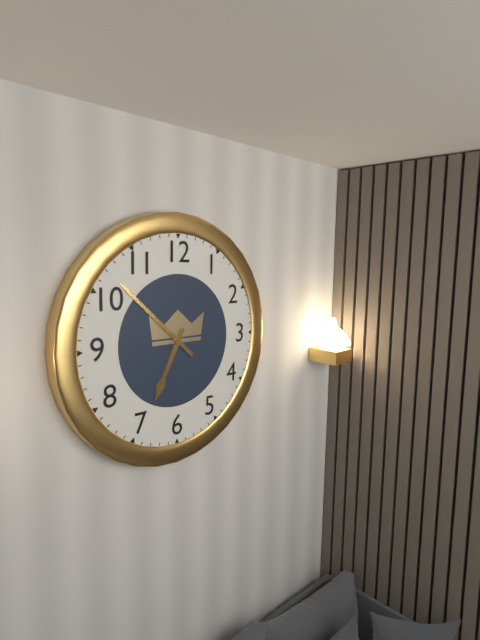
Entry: 6h52
